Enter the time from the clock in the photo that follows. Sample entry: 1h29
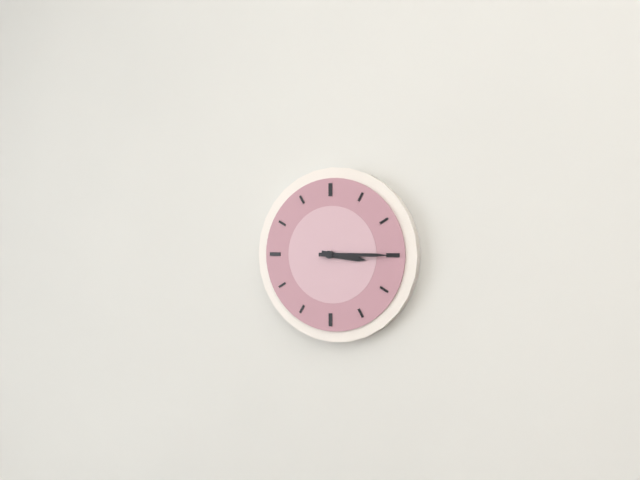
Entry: 3h15
